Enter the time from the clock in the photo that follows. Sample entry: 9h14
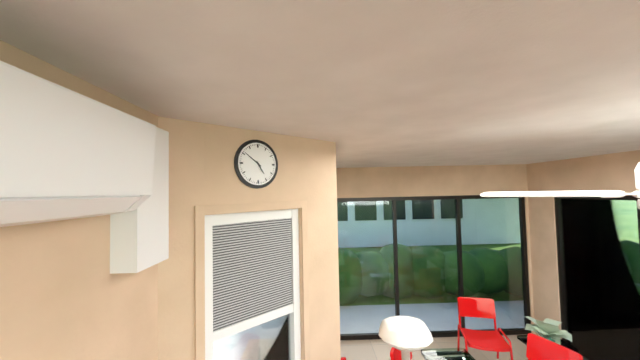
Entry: 4h51
